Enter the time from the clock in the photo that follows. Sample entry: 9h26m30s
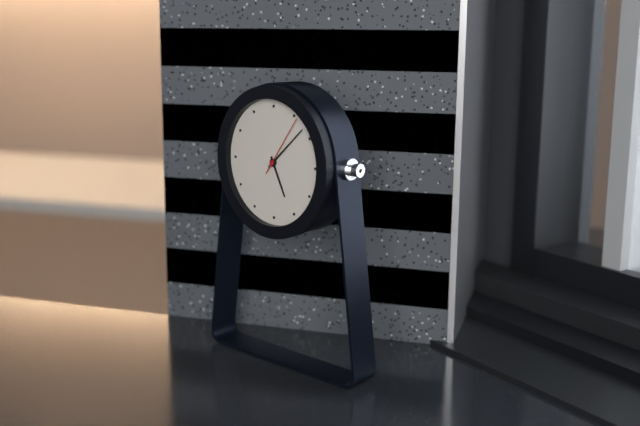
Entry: 5h08m06s
